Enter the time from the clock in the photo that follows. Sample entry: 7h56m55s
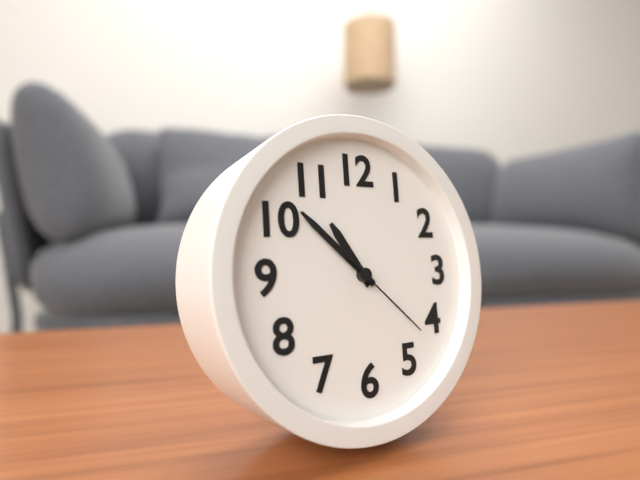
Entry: 10h52m22s
